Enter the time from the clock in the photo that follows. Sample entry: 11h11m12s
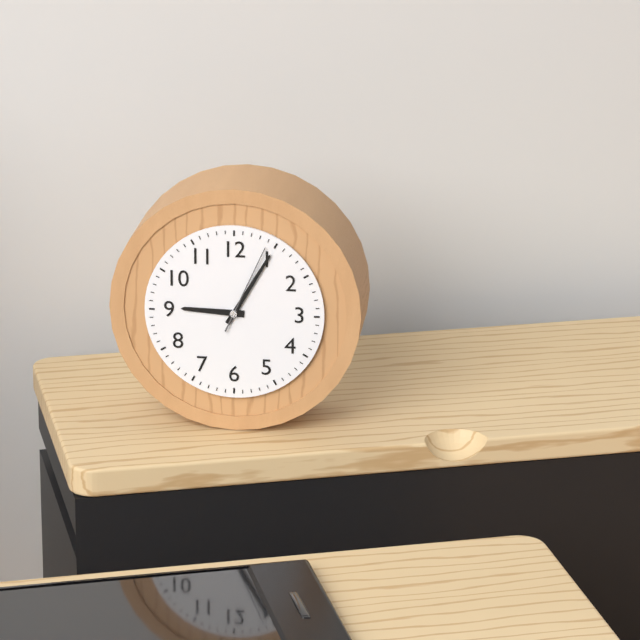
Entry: 9h05m04s
